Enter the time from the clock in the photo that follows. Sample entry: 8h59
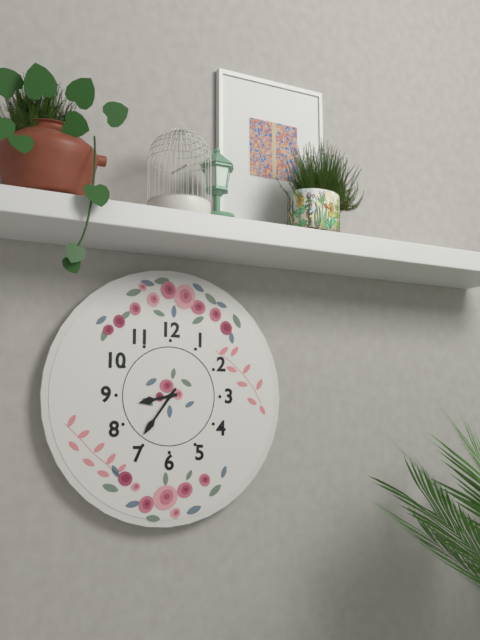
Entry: 8h36
